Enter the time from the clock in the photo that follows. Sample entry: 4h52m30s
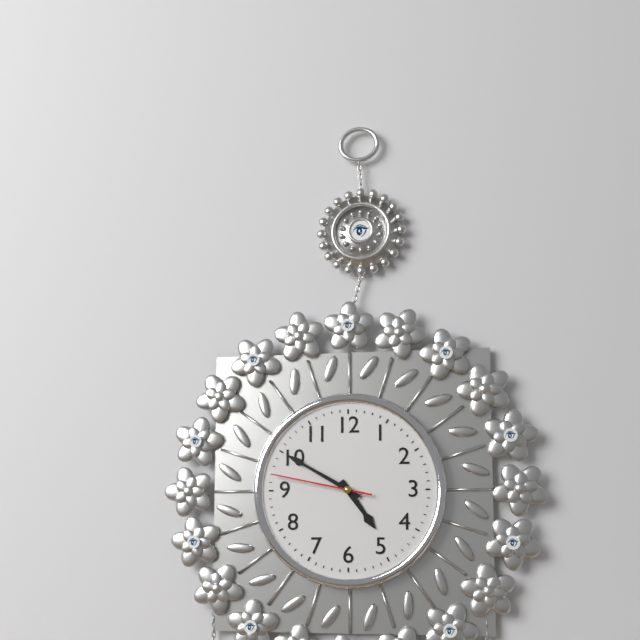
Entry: 4h50m47s
